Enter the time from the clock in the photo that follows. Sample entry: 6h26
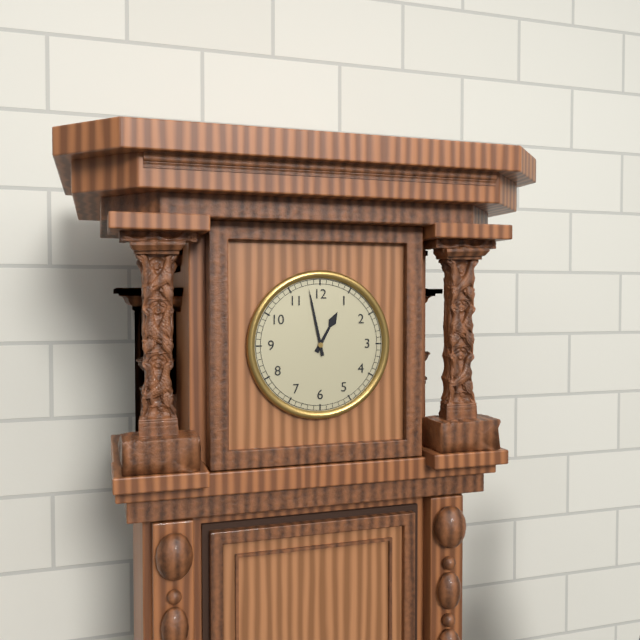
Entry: 12h58
